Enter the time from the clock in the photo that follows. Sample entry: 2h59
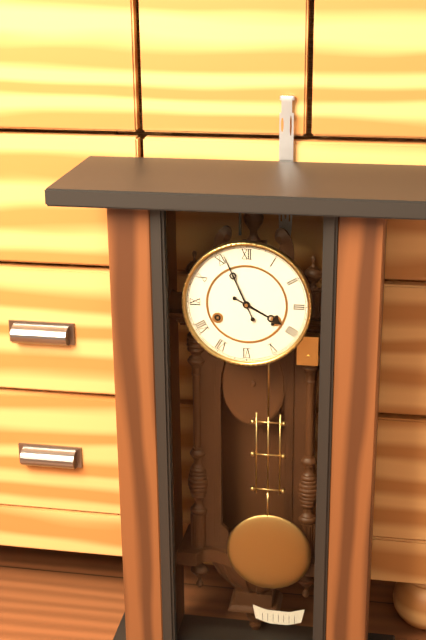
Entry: 3h56
